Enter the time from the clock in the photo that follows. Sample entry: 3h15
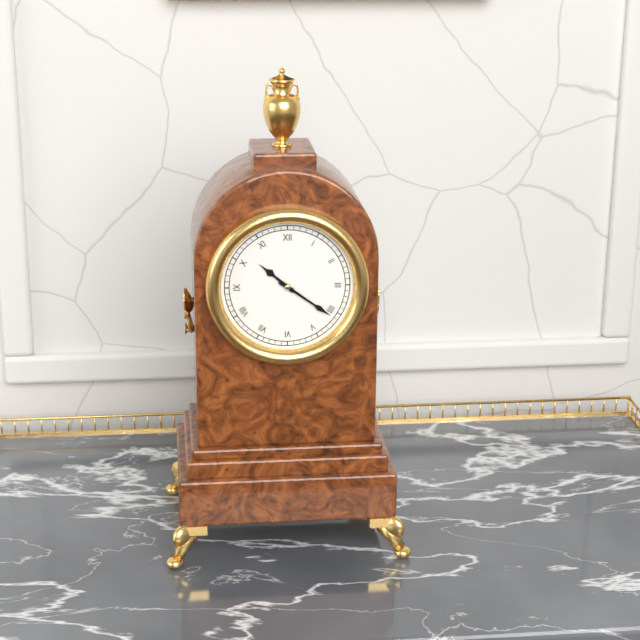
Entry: 10h21
